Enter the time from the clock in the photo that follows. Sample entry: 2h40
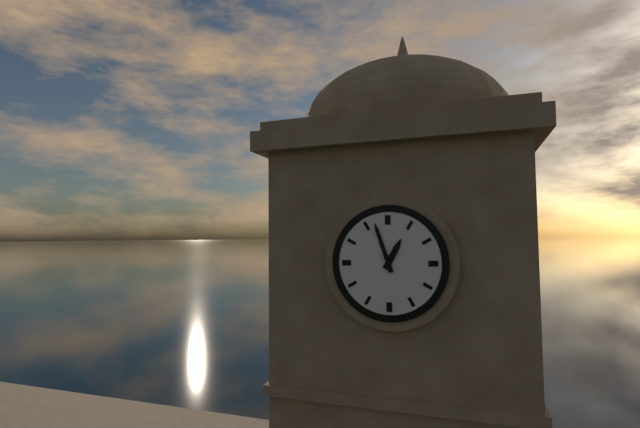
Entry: 12h57
